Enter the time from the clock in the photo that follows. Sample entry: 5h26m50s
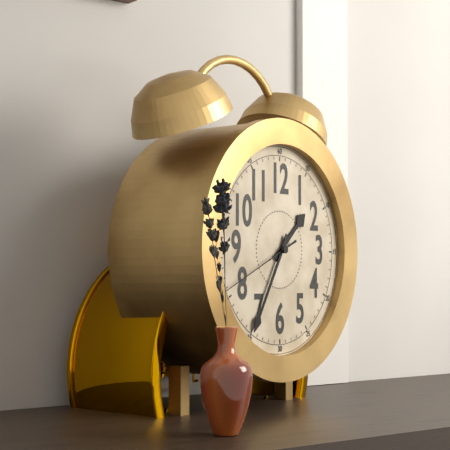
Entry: 1h35m41s
